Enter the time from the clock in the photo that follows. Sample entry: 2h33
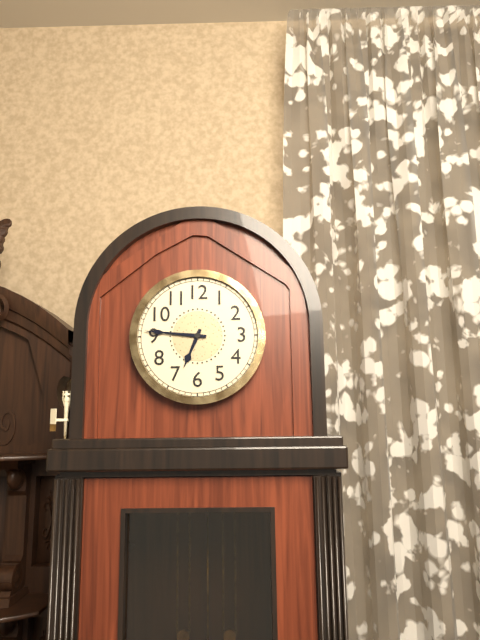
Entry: 6h46
